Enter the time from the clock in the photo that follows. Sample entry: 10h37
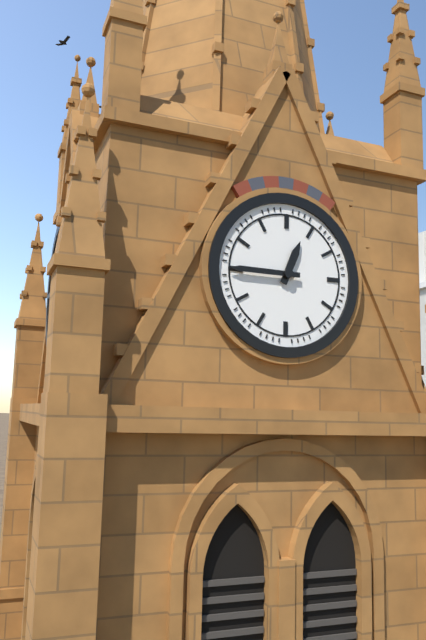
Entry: 12h45
